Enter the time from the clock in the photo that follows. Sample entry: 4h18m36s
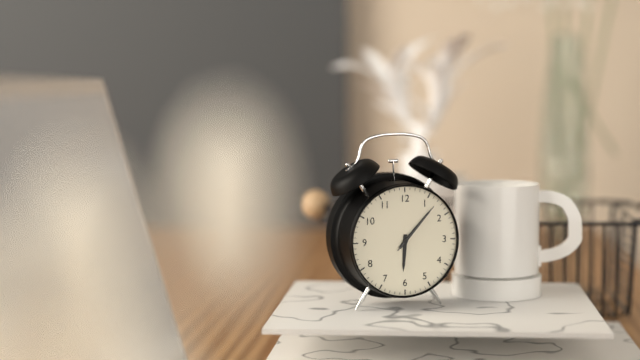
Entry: 6h07m07s
